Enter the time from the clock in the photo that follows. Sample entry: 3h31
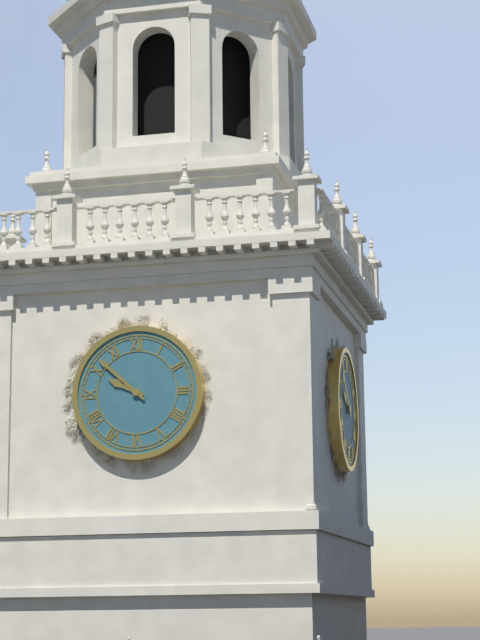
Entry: 9h52
